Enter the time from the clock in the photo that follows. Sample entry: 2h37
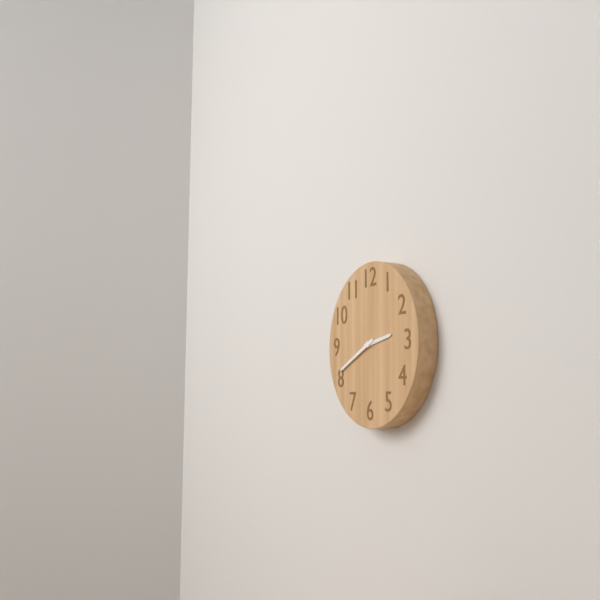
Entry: 2h41
